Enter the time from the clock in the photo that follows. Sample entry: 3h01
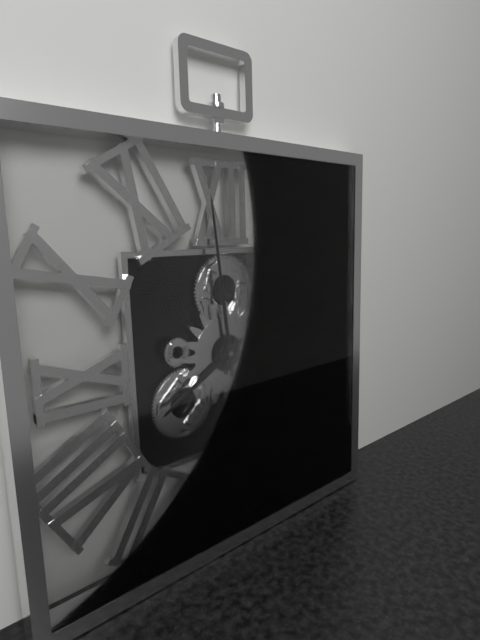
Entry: 7h59
